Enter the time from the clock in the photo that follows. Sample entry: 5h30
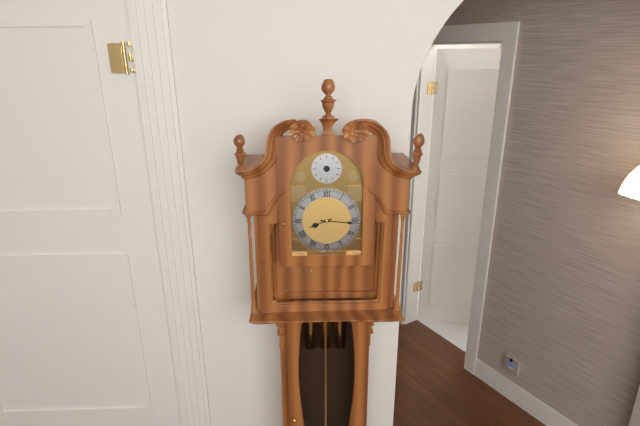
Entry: 8h16
